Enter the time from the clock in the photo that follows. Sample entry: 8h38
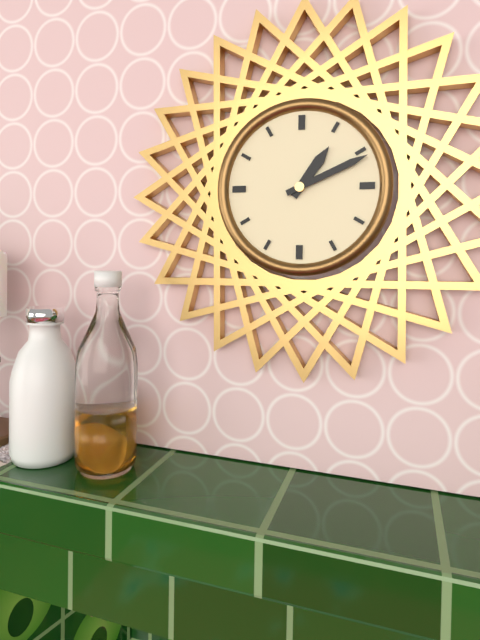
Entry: 1h11
